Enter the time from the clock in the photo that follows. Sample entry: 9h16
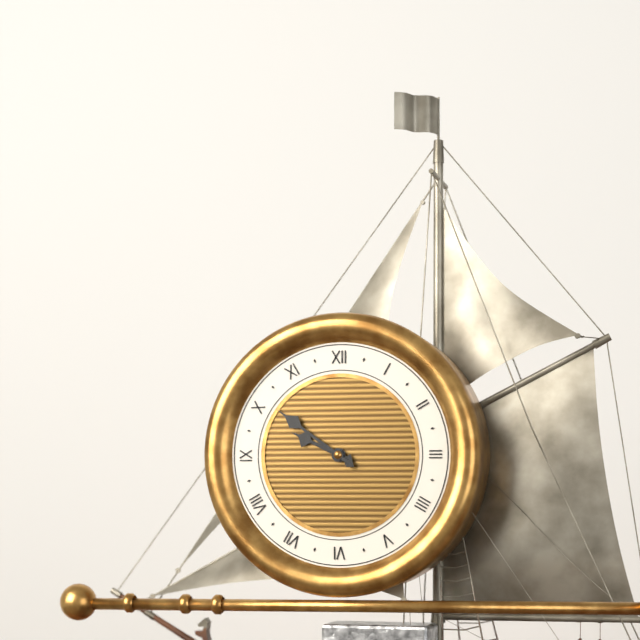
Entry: 9h51
